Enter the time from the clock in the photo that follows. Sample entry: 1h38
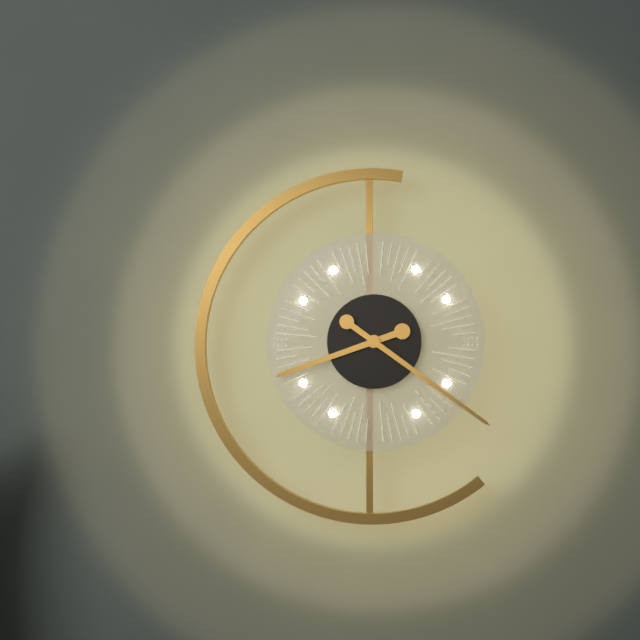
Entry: 8h21
